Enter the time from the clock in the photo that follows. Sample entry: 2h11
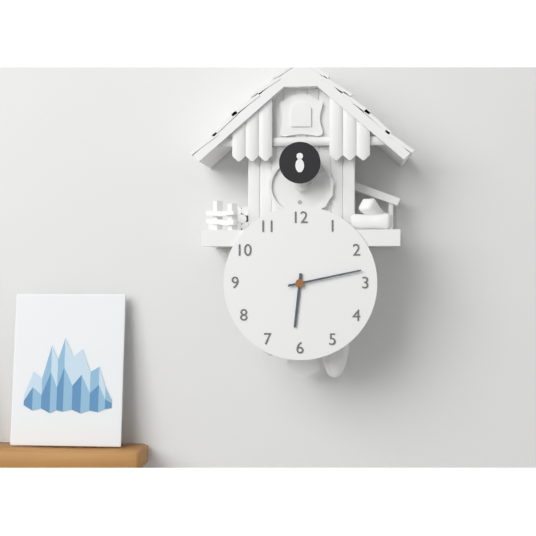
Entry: 6h13
